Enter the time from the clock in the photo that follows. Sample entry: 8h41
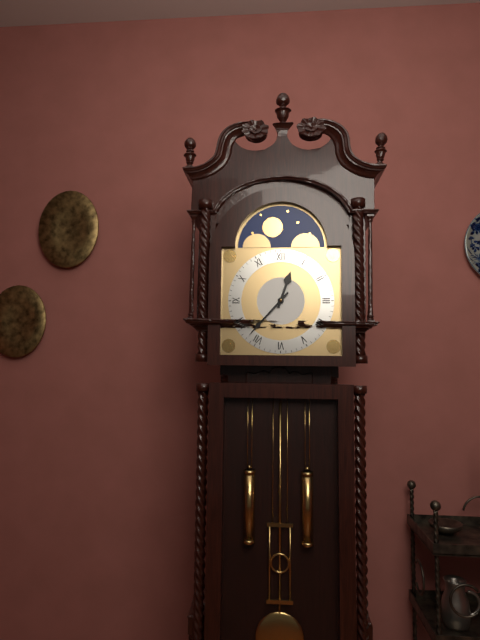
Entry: 12h37
